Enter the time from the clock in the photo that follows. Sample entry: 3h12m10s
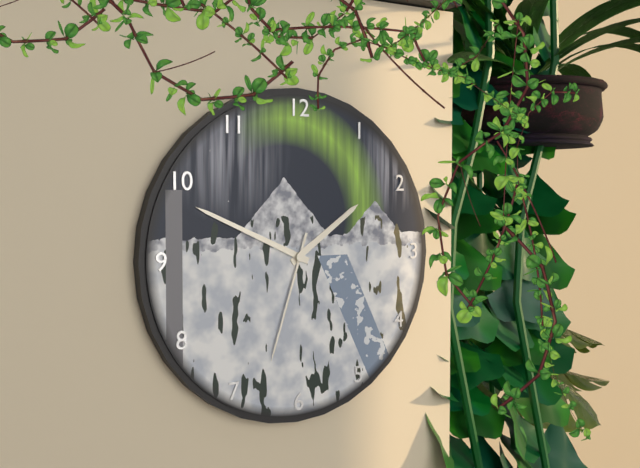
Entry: 1h49m33s
